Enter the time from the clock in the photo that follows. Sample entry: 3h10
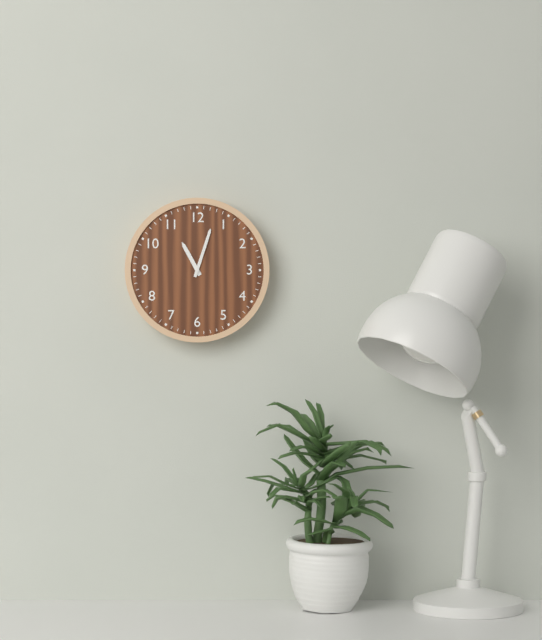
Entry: 11h03
